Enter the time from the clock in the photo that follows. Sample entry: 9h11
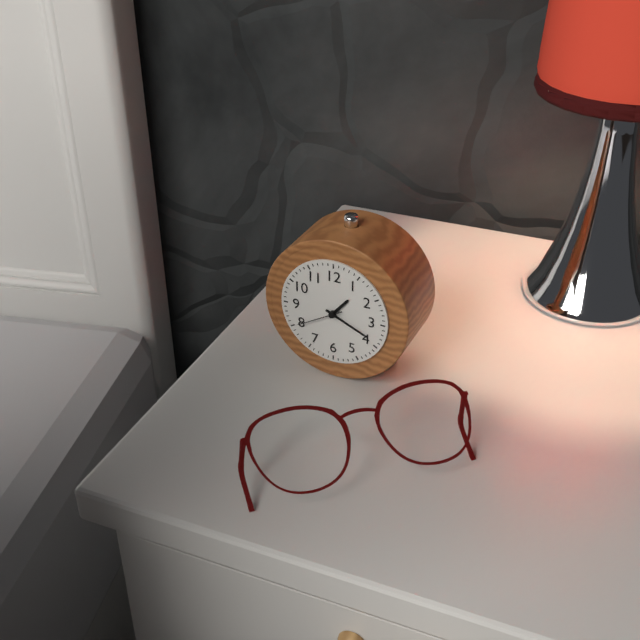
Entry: 1h19
